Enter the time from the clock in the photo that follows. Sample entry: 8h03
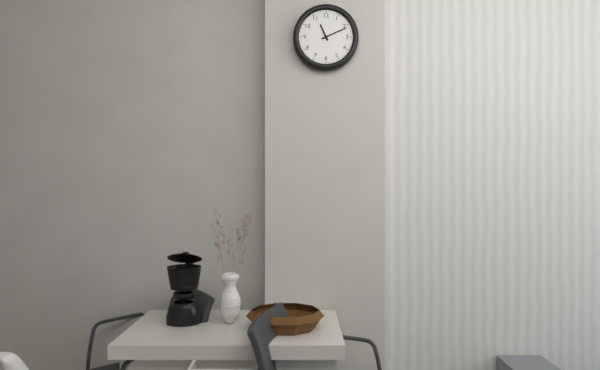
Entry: 11h11
